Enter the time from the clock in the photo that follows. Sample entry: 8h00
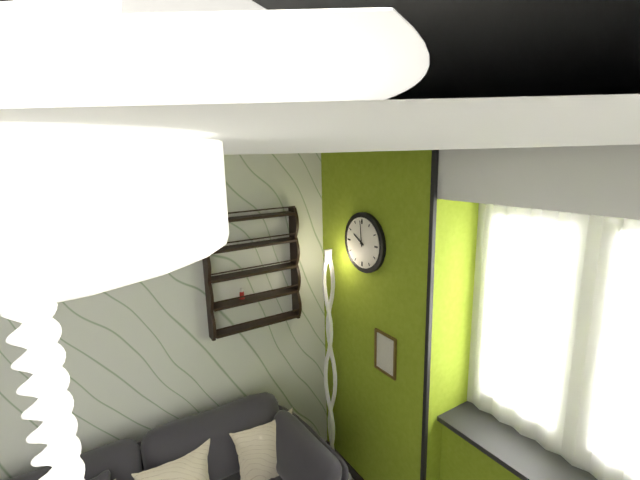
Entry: 9h59
